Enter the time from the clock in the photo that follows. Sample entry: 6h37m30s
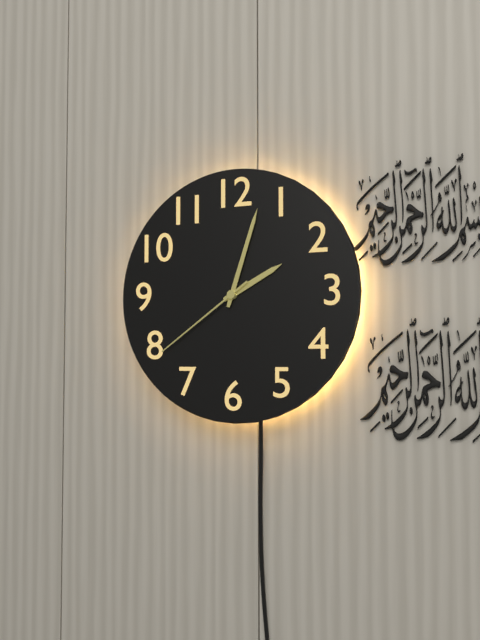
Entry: 2h03m39s
